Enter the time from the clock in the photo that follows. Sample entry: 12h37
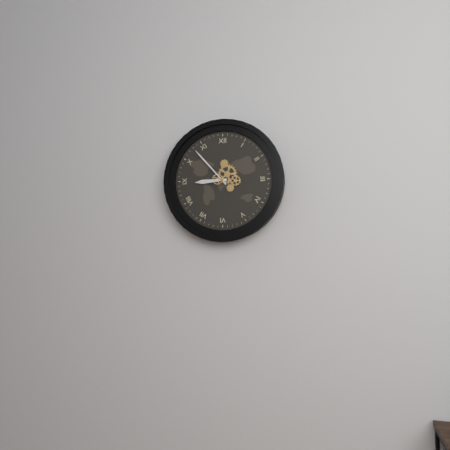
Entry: 8h53
